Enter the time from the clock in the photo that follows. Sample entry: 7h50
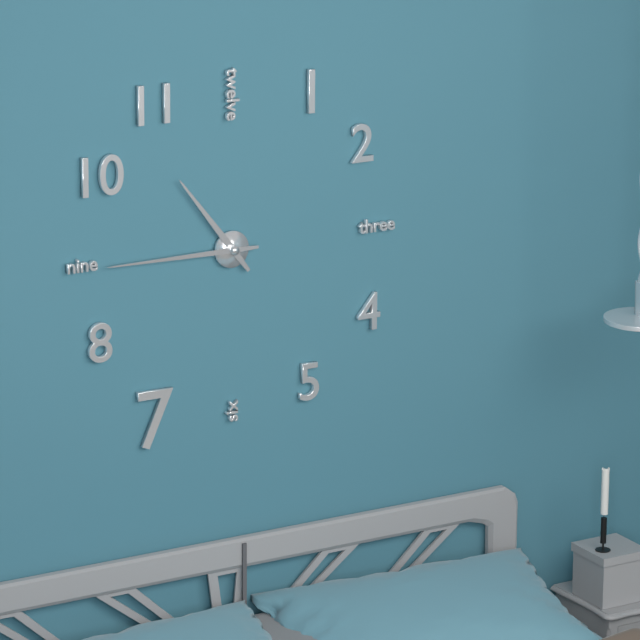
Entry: 10h45
